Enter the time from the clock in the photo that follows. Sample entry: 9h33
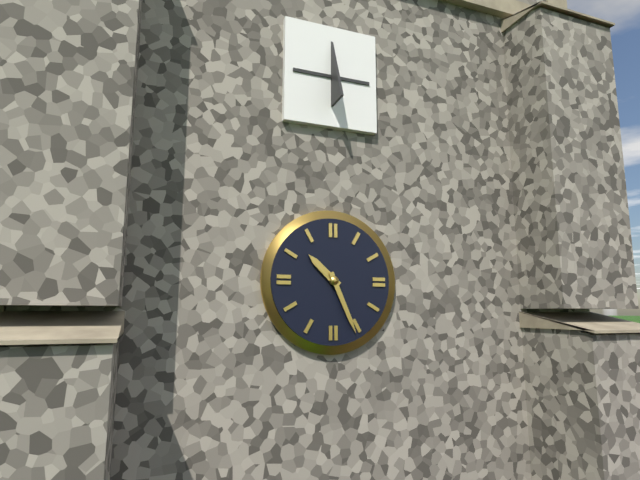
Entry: 10h26
